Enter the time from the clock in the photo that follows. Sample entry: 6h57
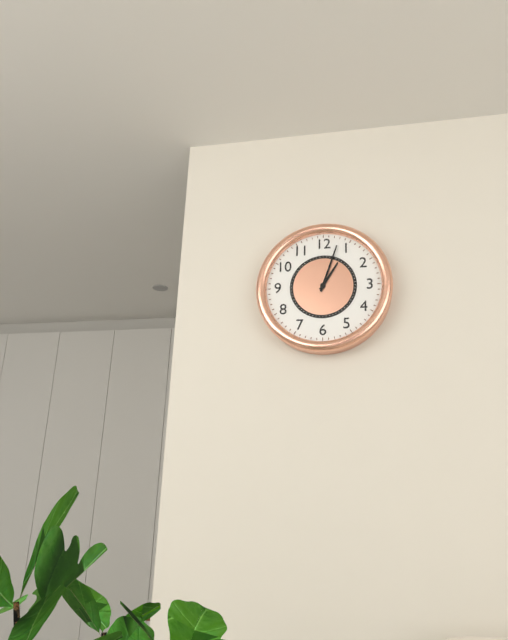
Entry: 1h03
